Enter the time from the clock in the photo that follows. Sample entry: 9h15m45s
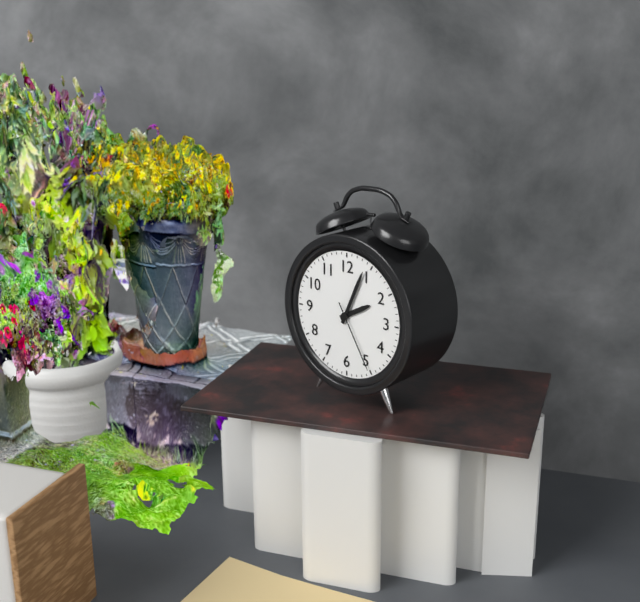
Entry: 2h04m25s
